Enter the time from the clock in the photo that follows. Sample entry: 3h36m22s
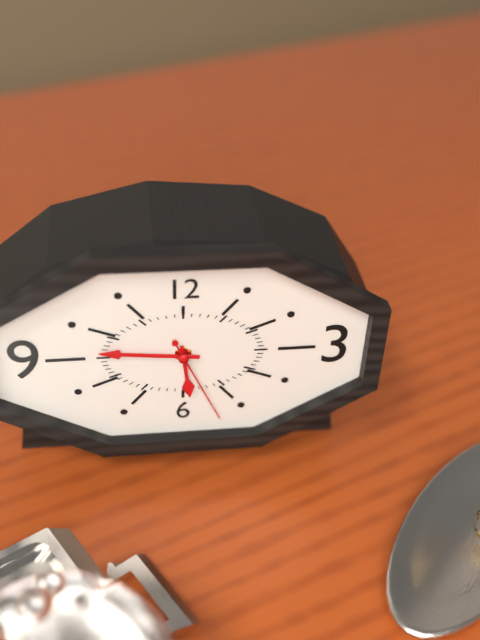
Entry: 5h46m26s
